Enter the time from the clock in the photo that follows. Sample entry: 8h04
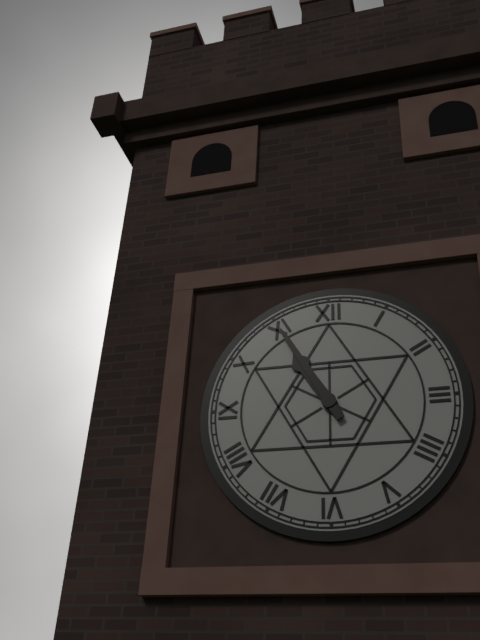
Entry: 10h55
